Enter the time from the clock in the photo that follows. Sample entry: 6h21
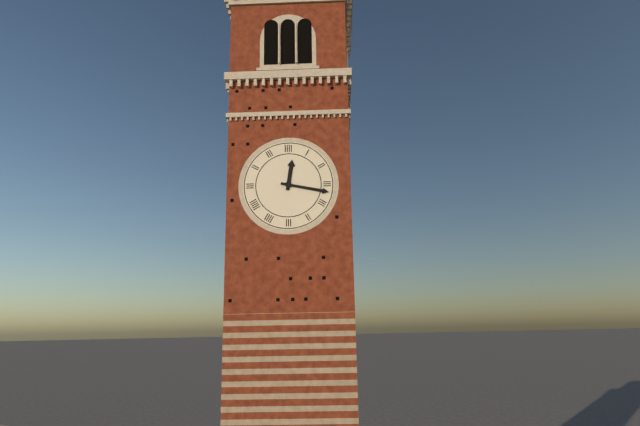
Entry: 12h17
